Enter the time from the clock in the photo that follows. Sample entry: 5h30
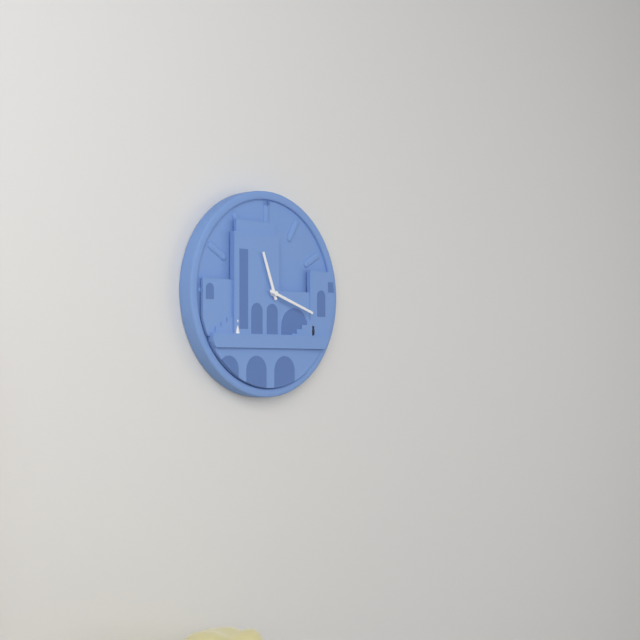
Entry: 11h18
